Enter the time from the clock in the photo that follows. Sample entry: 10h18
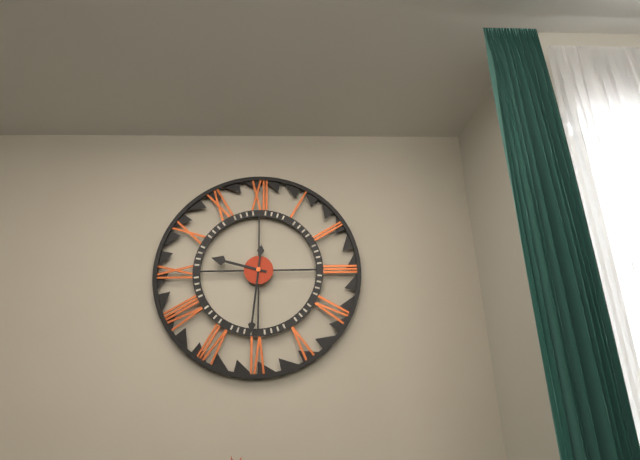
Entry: 9h31
